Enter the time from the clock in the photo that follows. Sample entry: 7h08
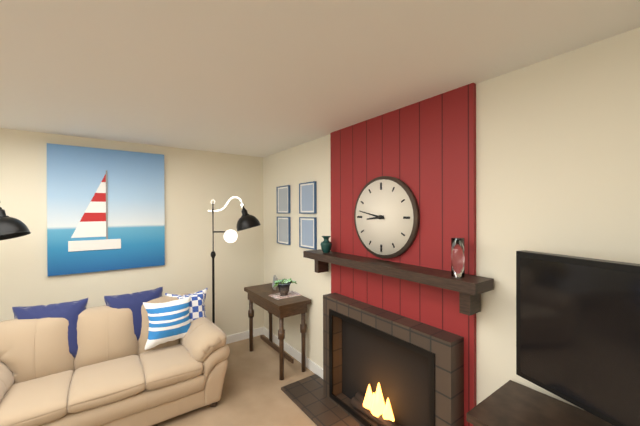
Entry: 8h47
